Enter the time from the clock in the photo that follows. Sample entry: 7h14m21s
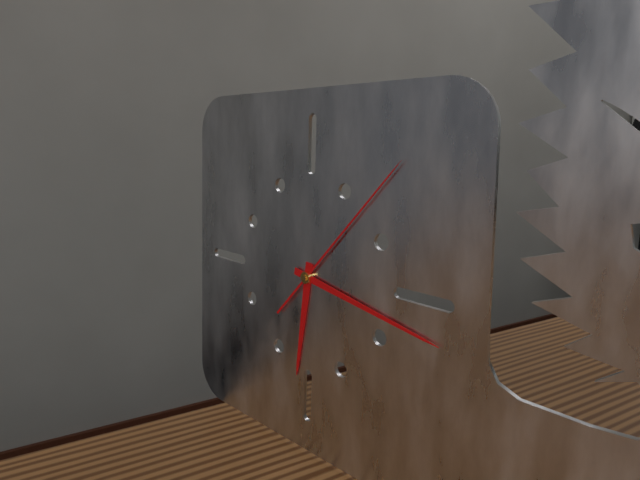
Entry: 6h17m07s
